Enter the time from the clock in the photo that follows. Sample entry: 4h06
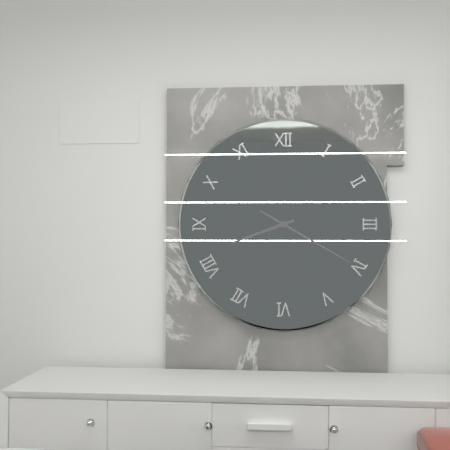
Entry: 8h20
